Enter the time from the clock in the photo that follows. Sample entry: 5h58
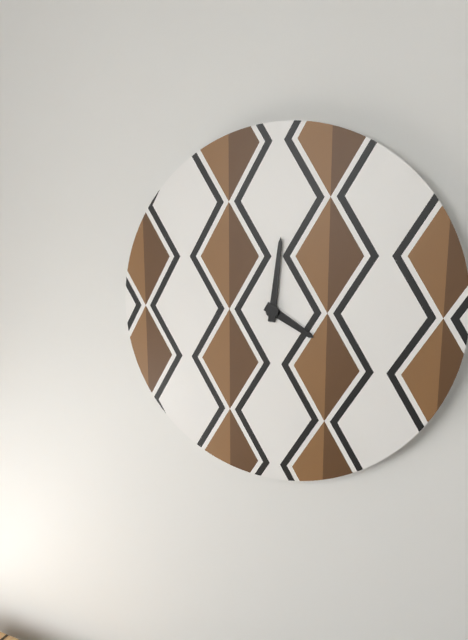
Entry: 4h01
